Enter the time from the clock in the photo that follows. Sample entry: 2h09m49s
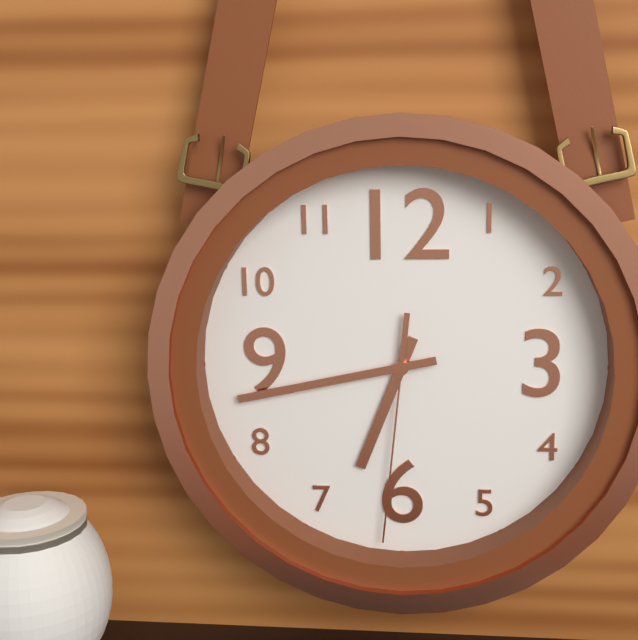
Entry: 6h43m31s
